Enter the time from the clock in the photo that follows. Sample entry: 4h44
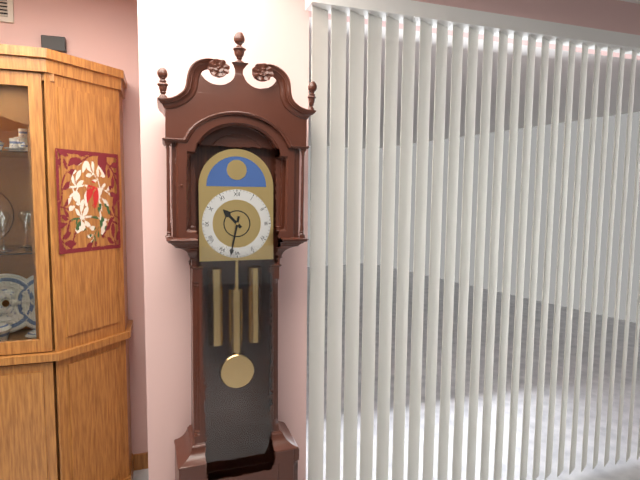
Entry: 10h32
